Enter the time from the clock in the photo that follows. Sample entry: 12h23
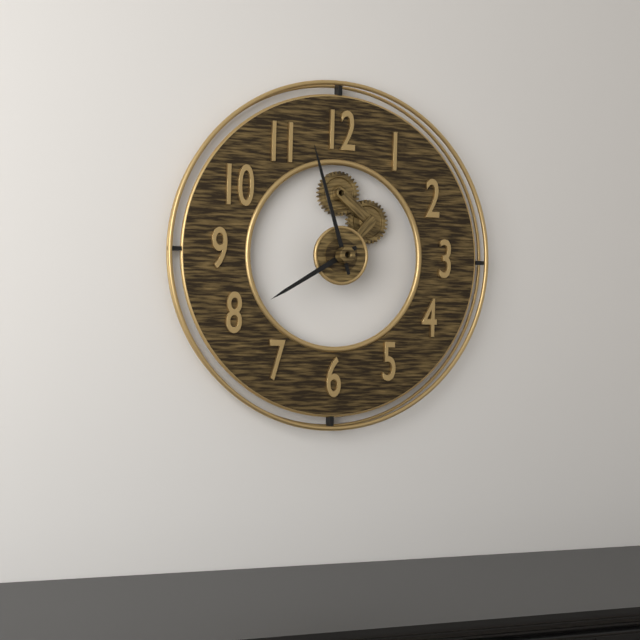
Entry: 7h57
